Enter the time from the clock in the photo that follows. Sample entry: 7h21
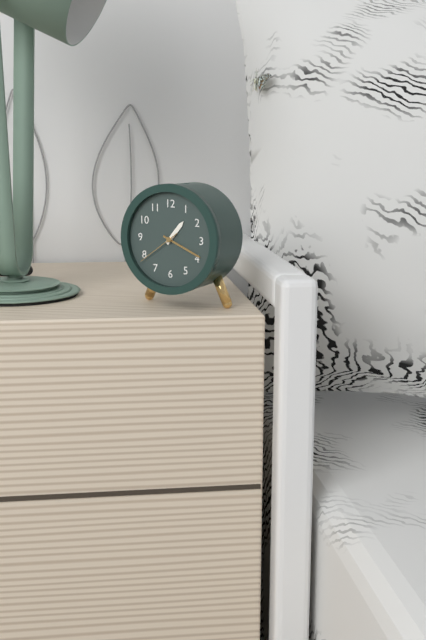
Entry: 1h19
